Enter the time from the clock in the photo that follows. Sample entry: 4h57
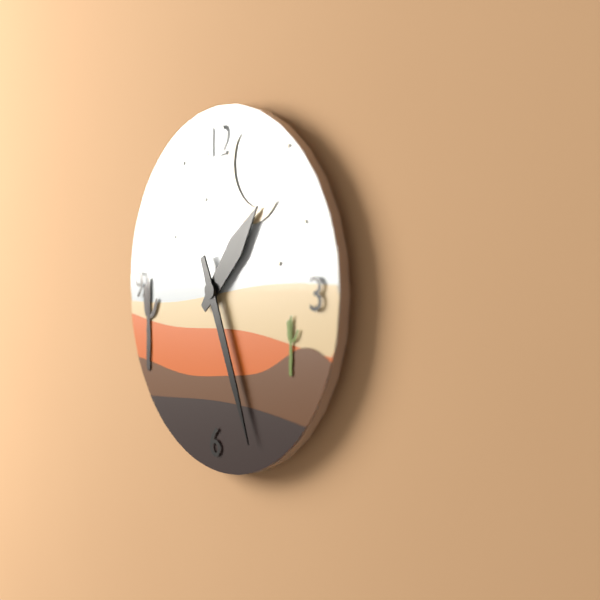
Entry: 1h26
